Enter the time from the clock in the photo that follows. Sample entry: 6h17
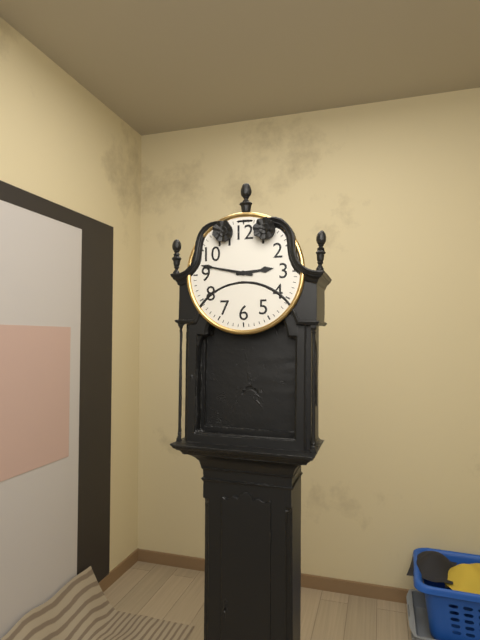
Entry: 2h47
